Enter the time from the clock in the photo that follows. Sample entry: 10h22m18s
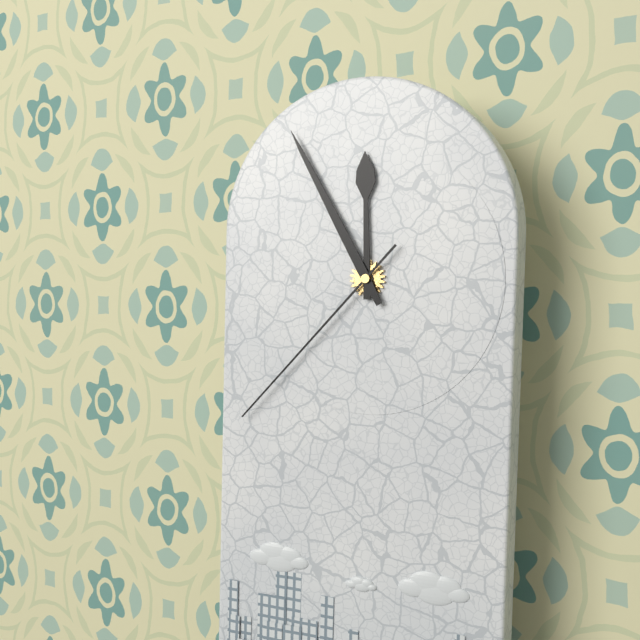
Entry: 11h55m37s
